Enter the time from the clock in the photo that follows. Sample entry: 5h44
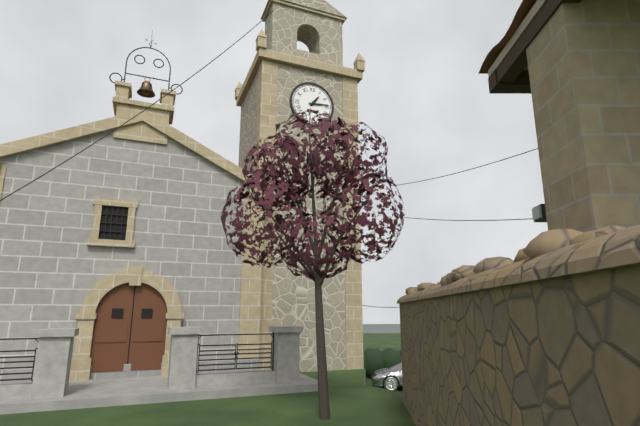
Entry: 1h14
